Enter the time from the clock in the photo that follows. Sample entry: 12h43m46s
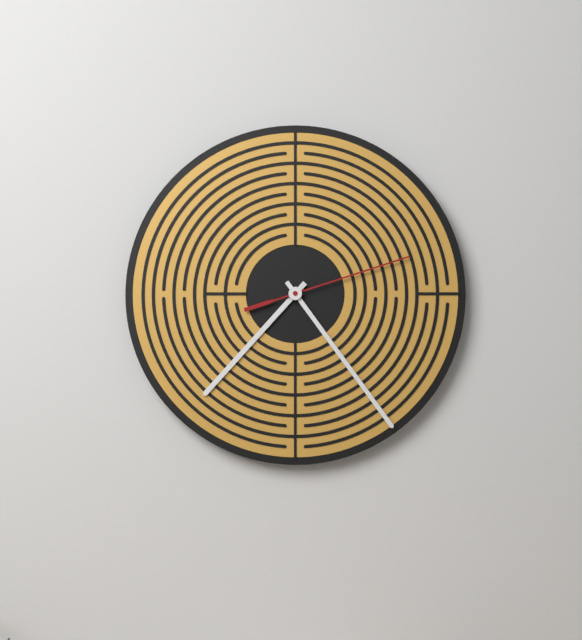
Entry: 7h24m12s
